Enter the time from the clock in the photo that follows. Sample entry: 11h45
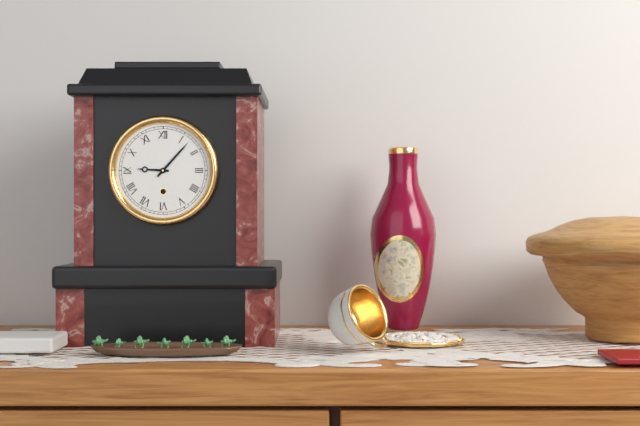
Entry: 9h07
